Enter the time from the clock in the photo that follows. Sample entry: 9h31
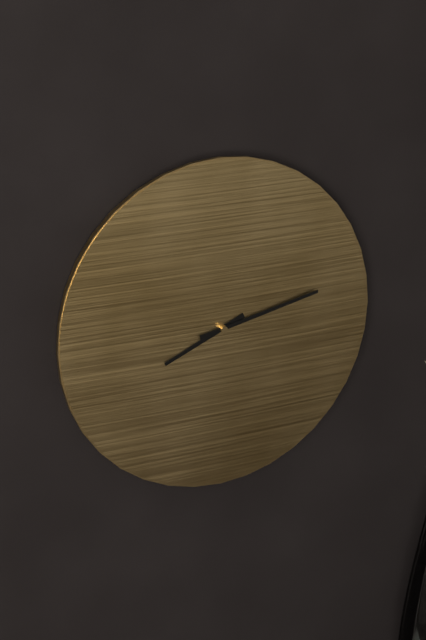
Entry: 8h13
